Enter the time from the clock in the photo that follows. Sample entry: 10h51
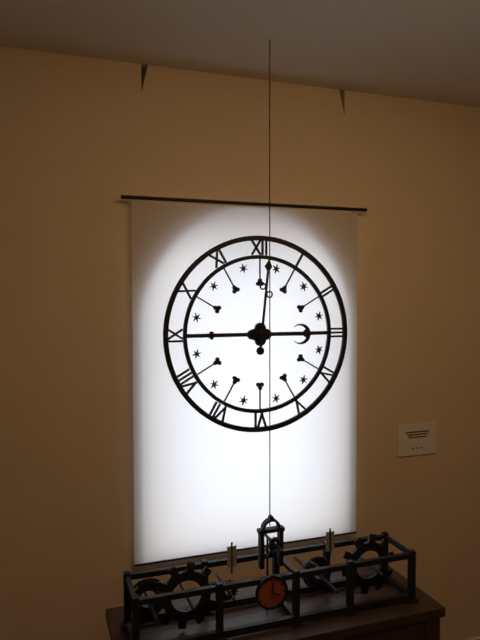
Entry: 3h01
